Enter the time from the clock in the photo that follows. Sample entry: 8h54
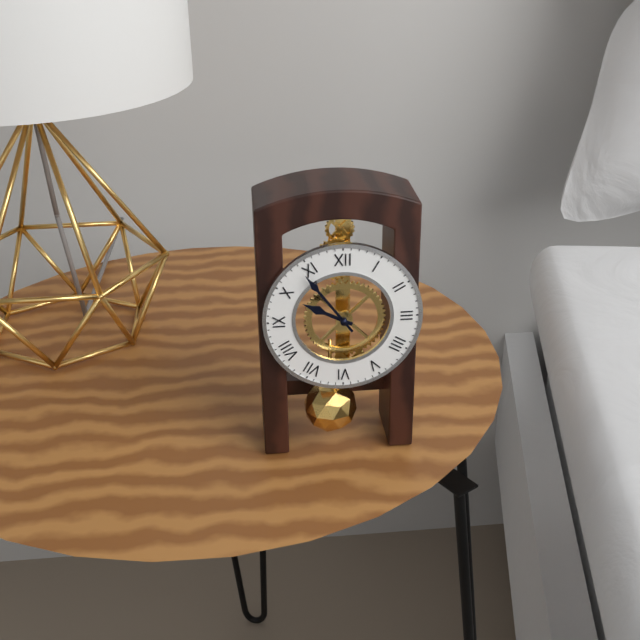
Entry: 9h54
